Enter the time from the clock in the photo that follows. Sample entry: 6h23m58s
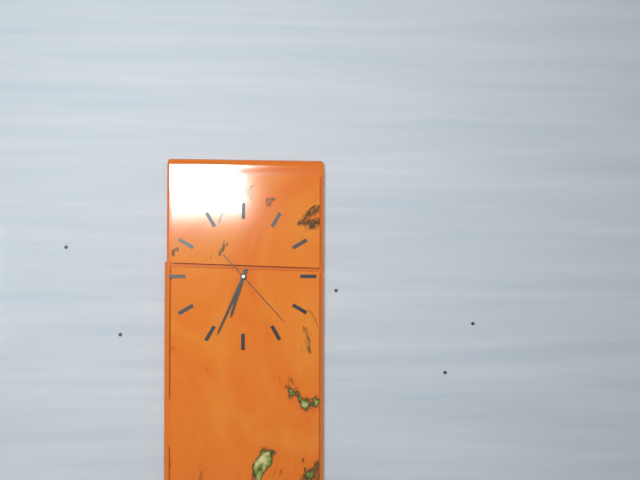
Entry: 6h34m23s
